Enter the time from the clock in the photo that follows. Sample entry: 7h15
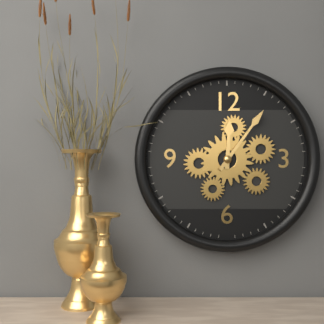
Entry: 12h06
